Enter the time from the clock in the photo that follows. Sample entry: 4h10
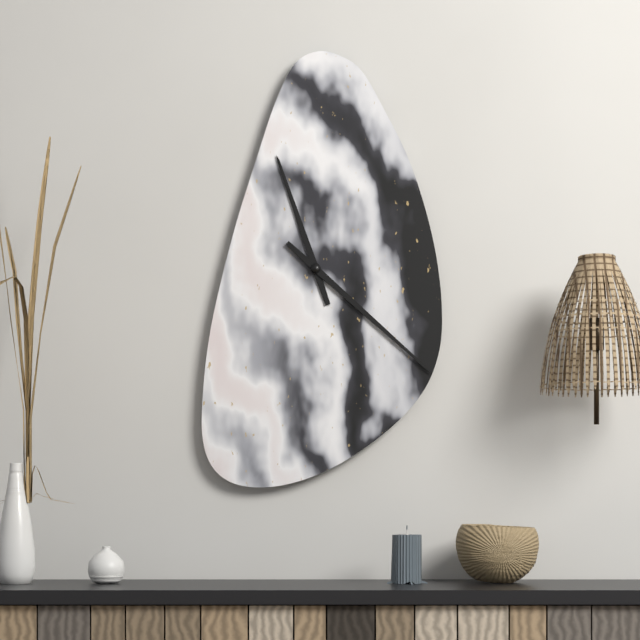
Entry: 11h22
